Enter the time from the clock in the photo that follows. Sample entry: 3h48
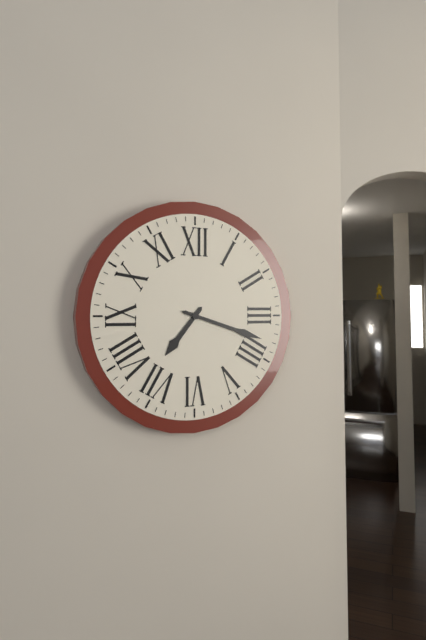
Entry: 7h18
